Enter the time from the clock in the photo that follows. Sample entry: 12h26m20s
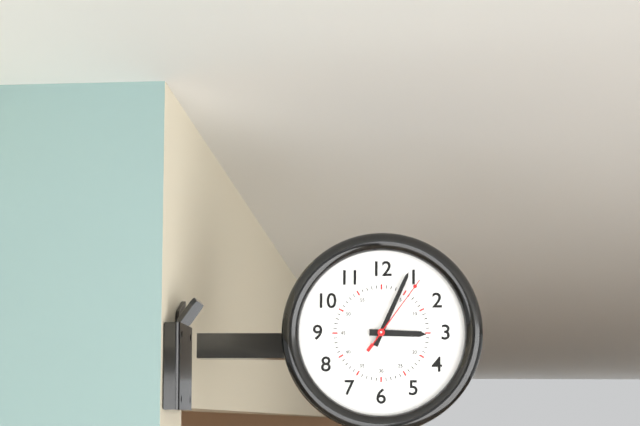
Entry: 3h04m06s
